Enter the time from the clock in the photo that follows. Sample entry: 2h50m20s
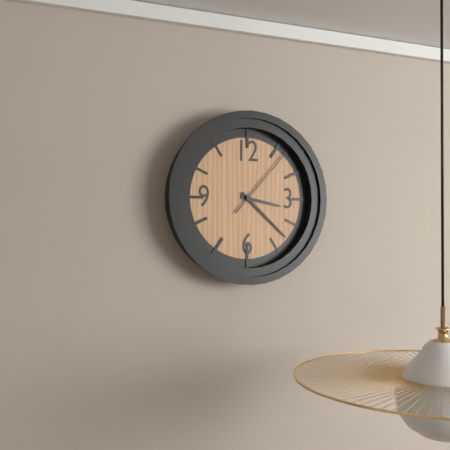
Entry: 3h22m07s
